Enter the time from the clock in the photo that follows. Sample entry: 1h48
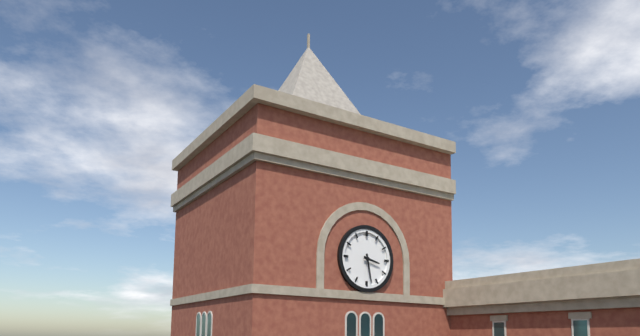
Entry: 3h28
